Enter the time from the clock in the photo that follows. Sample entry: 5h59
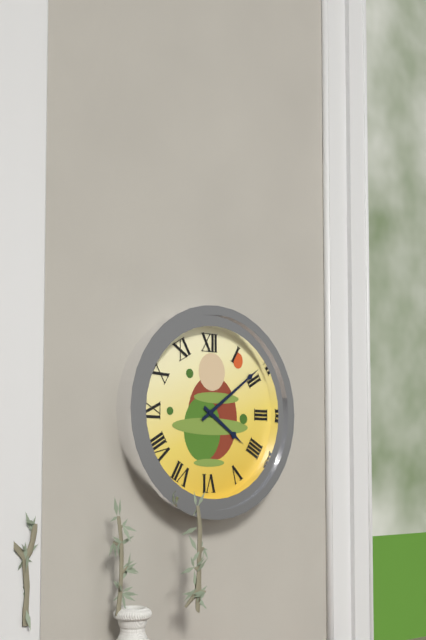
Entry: 4h09
